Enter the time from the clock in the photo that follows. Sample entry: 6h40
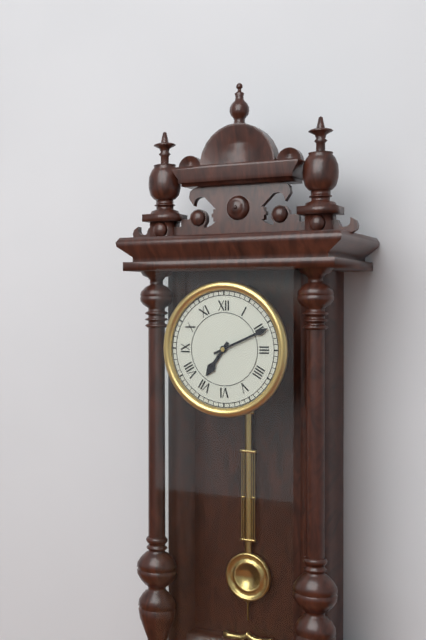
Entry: 7h11
